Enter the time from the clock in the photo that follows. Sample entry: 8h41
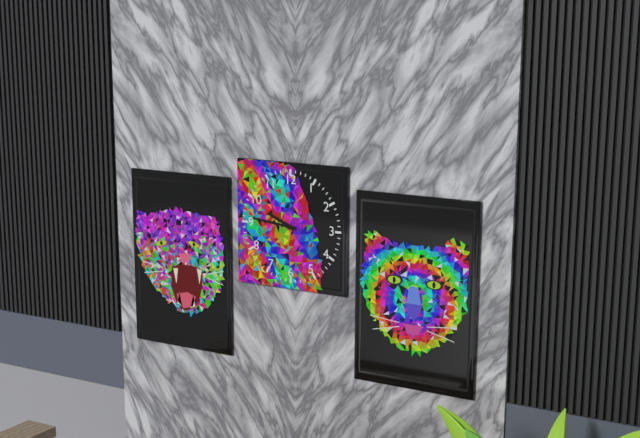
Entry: 9h46
